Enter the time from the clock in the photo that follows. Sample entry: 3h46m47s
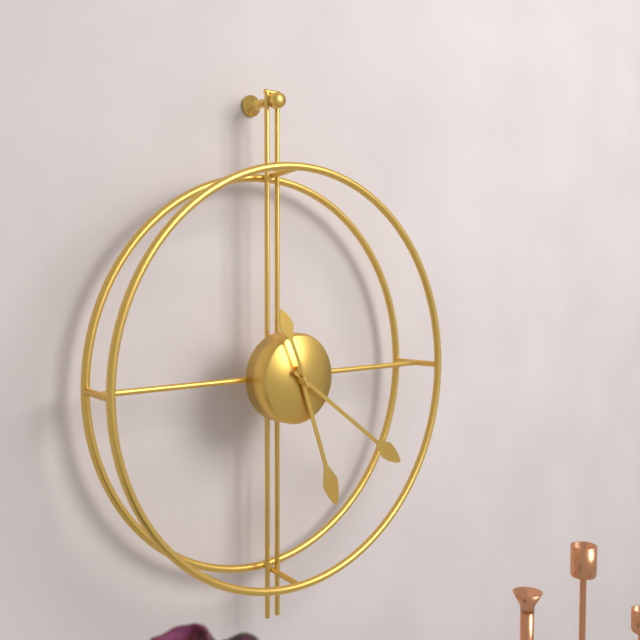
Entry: 5h21m56s
